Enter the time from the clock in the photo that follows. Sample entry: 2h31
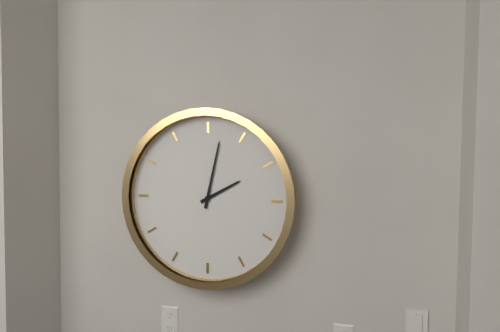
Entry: 2h02
